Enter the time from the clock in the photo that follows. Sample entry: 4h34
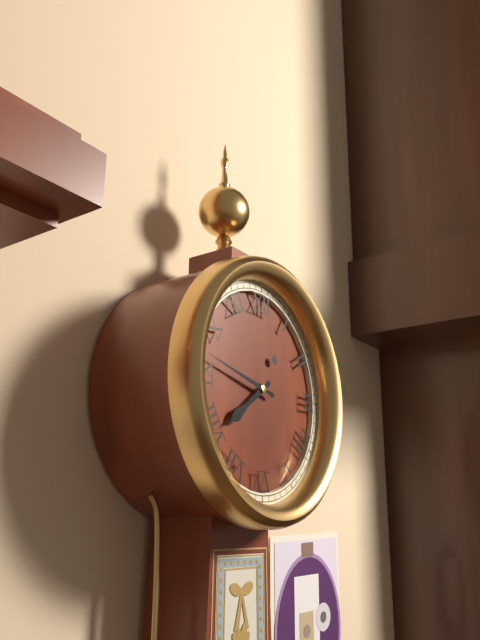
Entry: 7h47
